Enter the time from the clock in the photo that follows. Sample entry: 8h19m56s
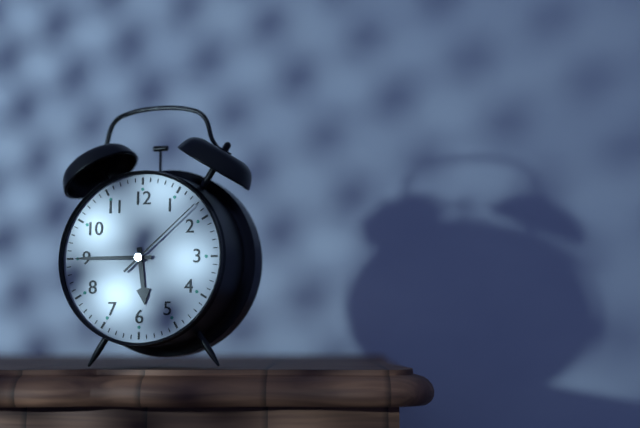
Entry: 5h45m08s
